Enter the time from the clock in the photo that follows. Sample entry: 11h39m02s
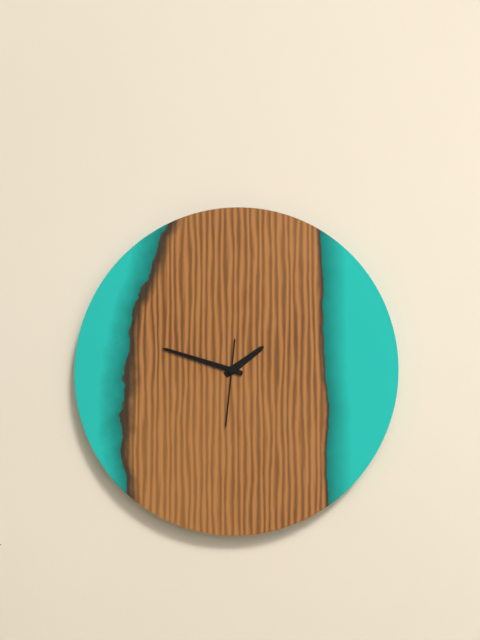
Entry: 1h48m31s
